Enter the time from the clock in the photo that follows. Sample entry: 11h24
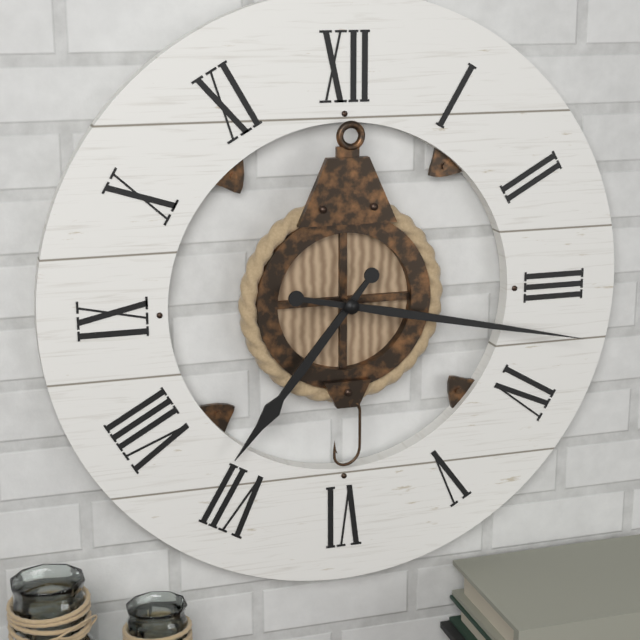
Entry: 7h17
